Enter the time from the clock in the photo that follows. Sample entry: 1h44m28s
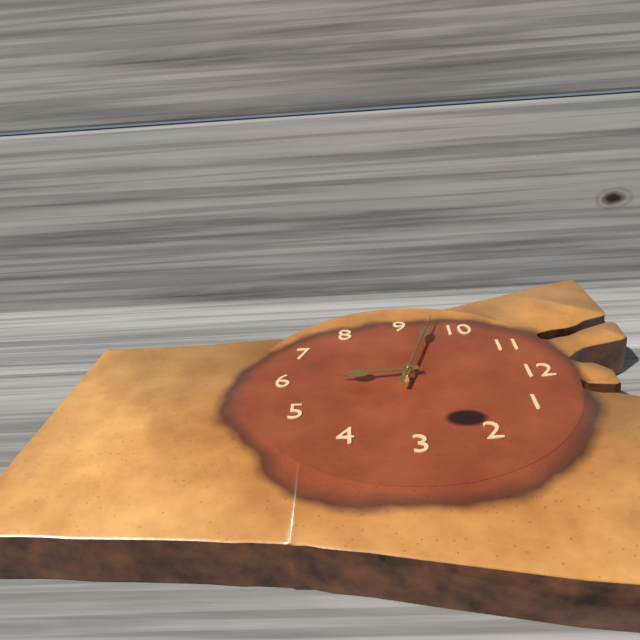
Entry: 5h48m48s
